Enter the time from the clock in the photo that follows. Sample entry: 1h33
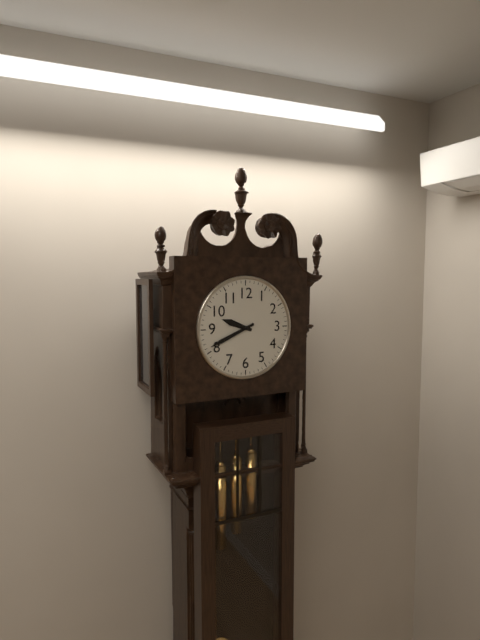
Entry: 9h41
